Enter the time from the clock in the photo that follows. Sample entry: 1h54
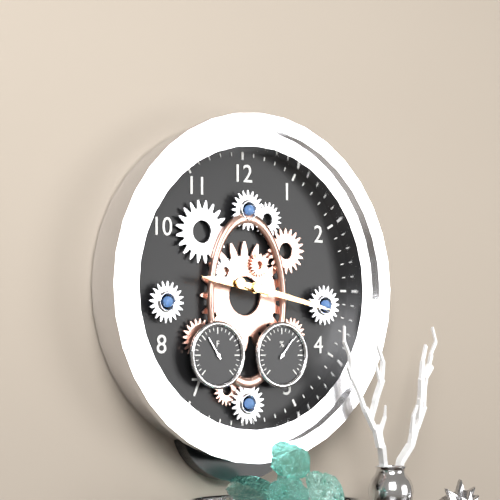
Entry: 9h17
